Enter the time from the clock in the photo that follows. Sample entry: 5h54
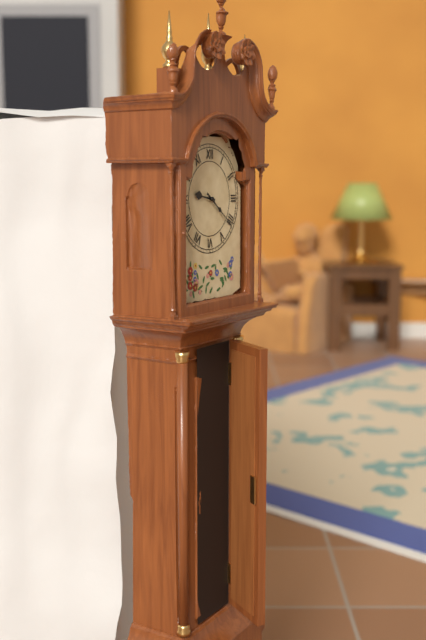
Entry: 9h21
